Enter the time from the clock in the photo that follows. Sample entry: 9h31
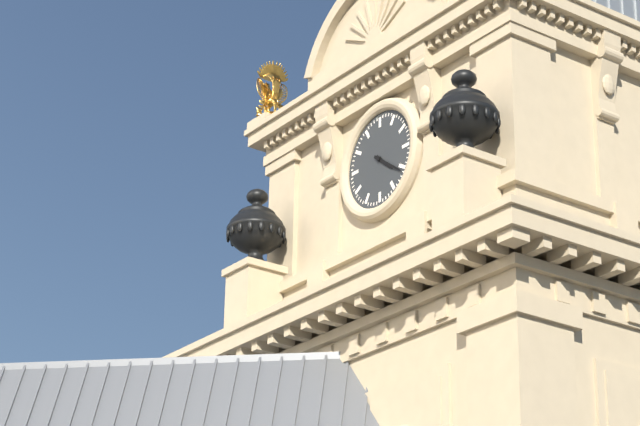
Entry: 4h21
